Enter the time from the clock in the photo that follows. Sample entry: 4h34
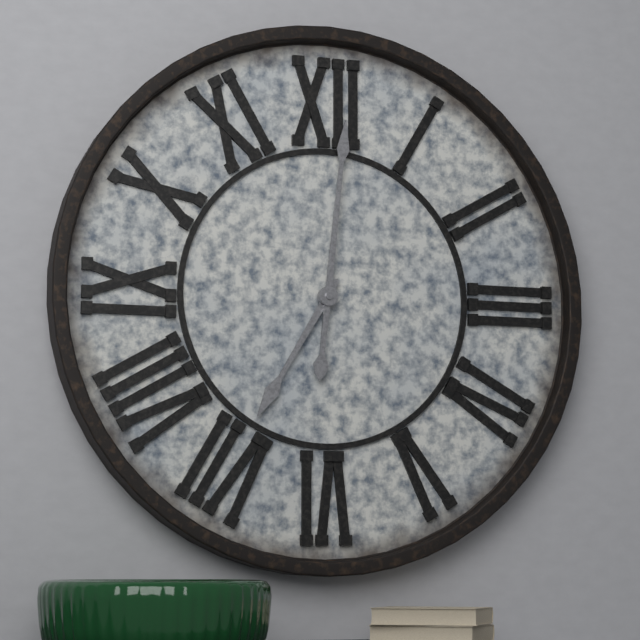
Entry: 7h01
